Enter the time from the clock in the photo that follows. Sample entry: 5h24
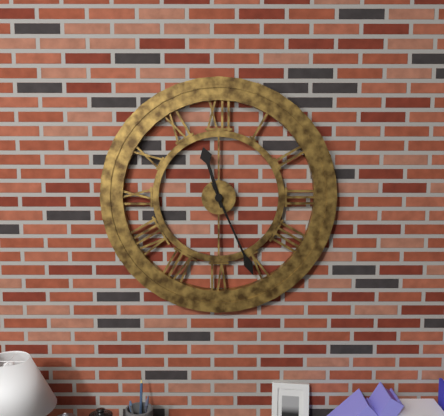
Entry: 11h26
